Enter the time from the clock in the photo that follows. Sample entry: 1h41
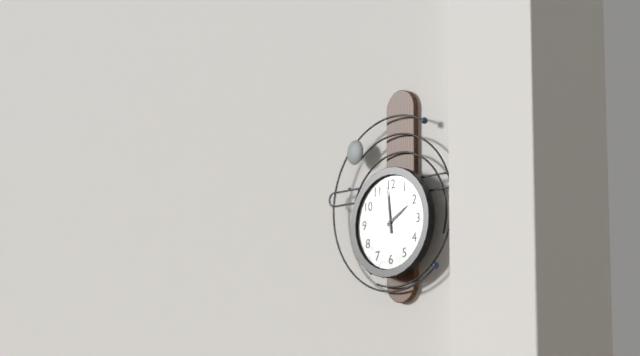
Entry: 1h59
